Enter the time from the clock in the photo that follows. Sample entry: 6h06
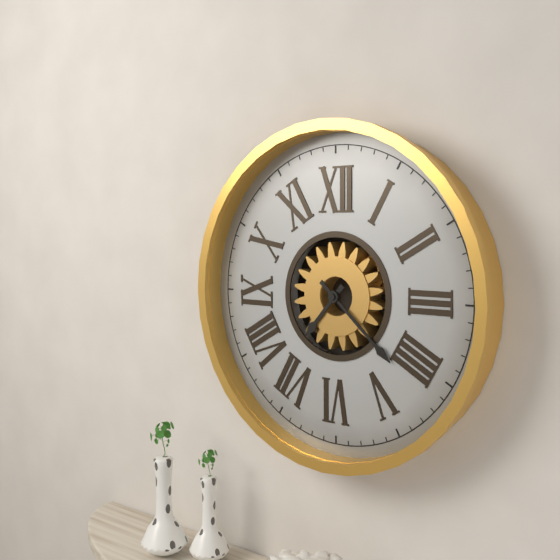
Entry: 7h22
